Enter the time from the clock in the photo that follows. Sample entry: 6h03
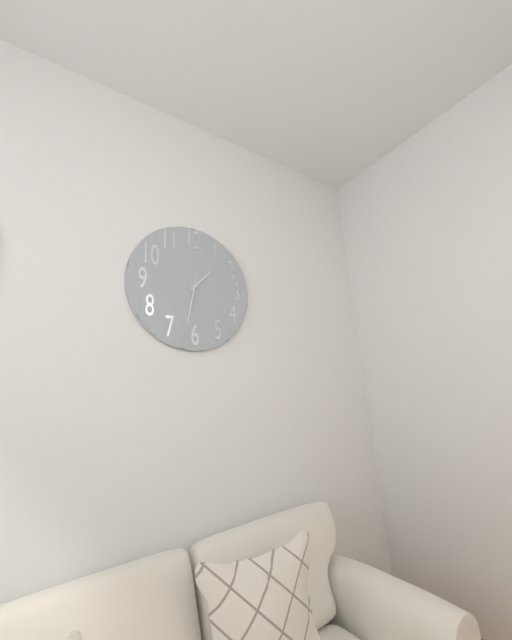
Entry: 1h32
